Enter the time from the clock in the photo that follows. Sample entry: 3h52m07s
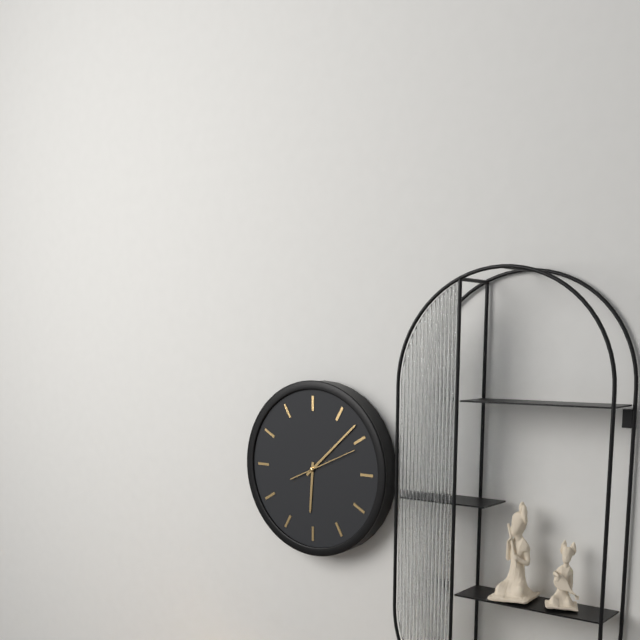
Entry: 6h08m11s
